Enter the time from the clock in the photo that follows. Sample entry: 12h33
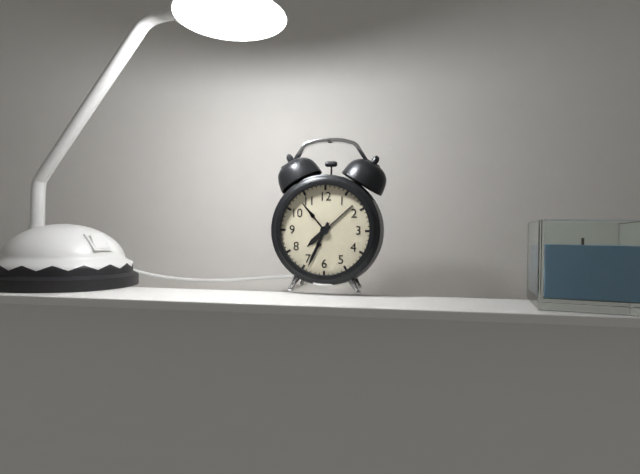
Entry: 7h34
